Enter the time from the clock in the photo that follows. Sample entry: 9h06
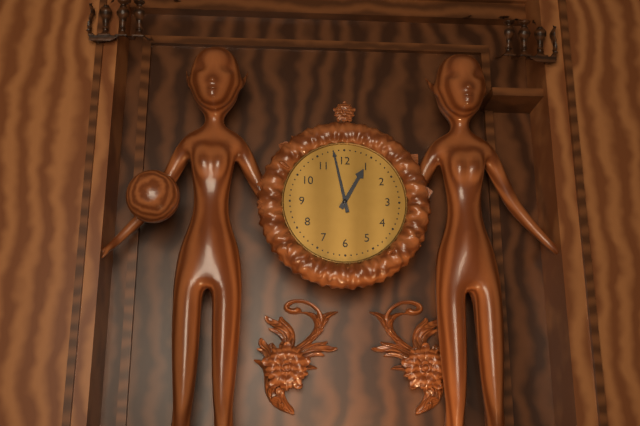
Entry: 12h58
